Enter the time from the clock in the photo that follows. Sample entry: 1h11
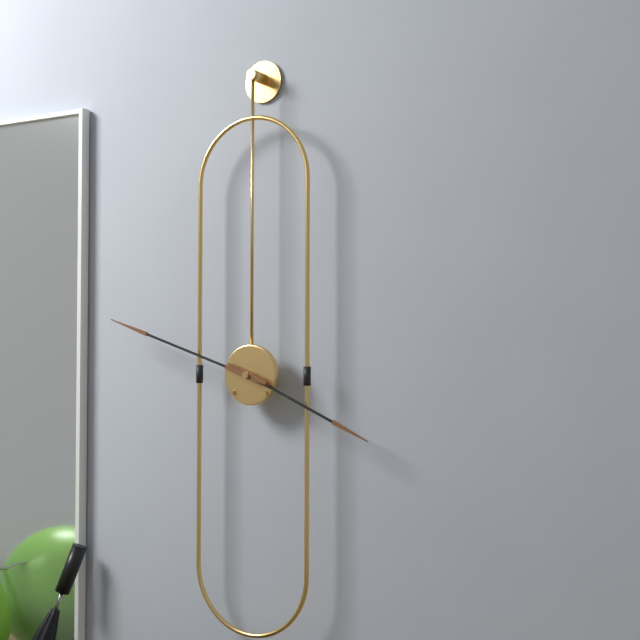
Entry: 3h48
